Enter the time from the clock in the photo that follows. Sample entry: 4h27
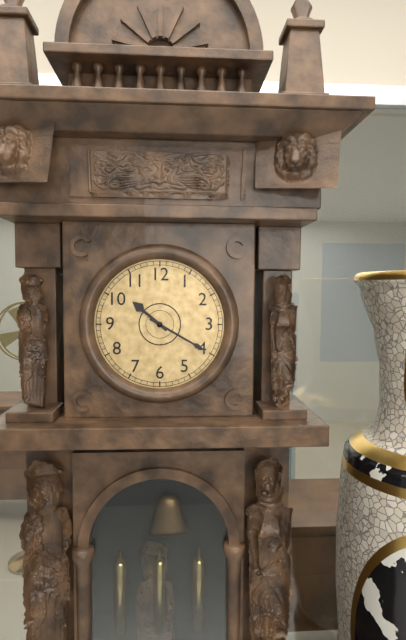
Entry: 10h20
